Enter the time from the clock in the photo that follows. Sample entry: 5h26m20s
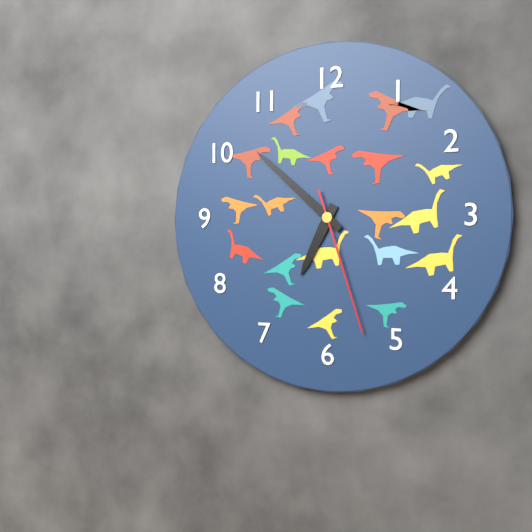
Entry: 6h52m27s
